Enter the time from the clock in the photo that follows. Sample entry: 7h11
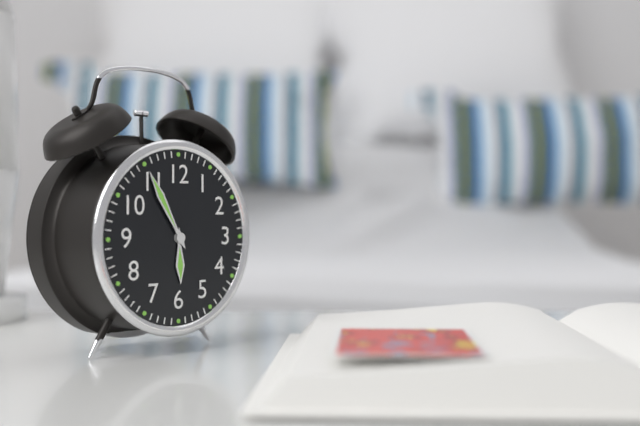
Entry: 5h55
